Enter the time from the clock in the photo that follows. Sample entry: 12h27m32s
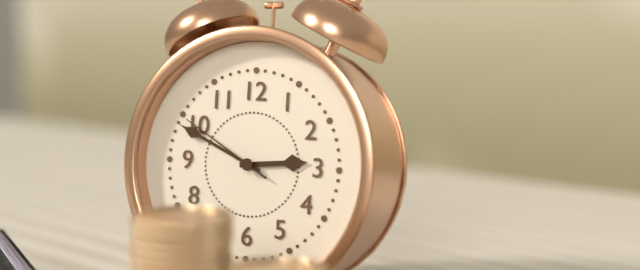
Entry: 2h49m50s
